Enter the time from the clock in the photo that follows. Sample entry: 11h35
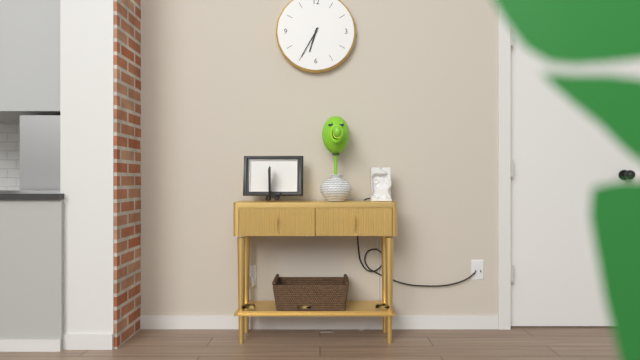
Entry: 6h35
